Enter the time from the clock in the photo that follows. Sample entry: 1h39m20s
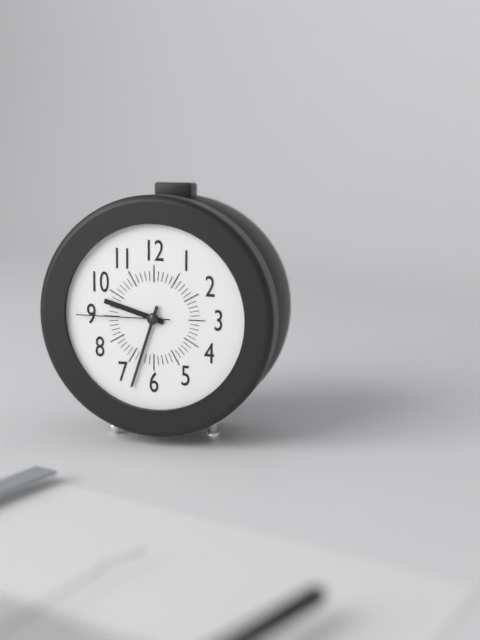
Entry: 9h33m45s
